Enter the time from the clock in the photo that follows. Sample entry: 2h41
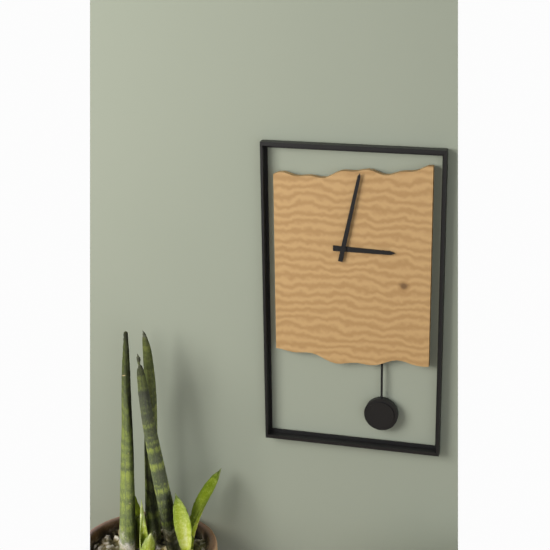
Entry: 3h02
